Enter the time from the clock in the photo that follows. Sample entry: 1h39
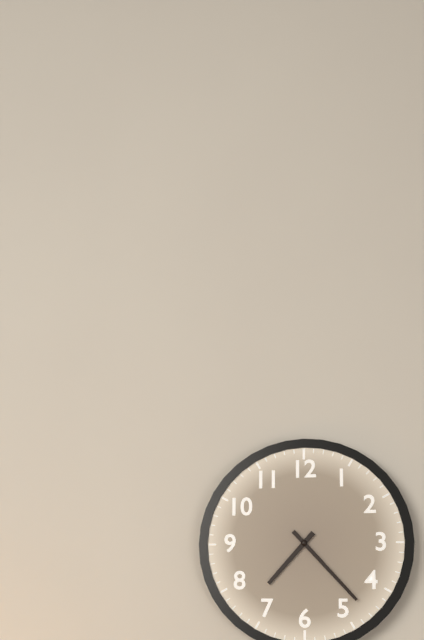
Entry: 7h23
